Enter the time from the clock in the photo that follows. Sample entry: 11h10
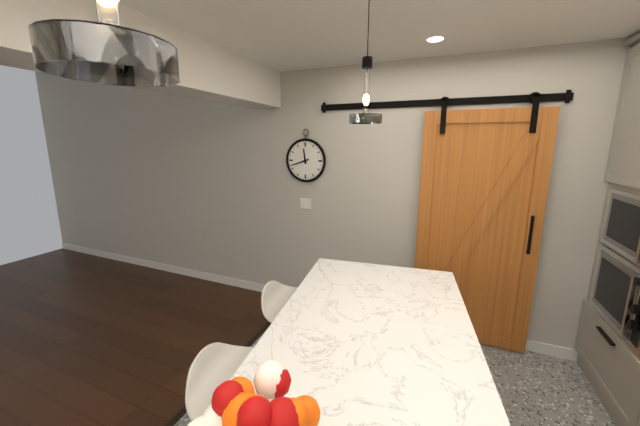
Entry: 11h42
